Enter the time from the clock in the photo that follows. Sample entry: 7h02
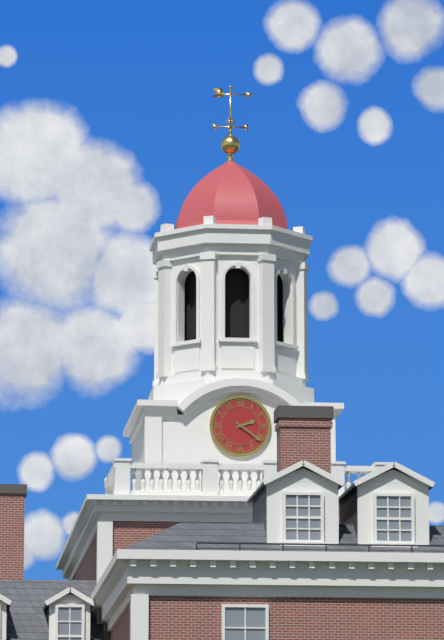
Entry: 2h21
